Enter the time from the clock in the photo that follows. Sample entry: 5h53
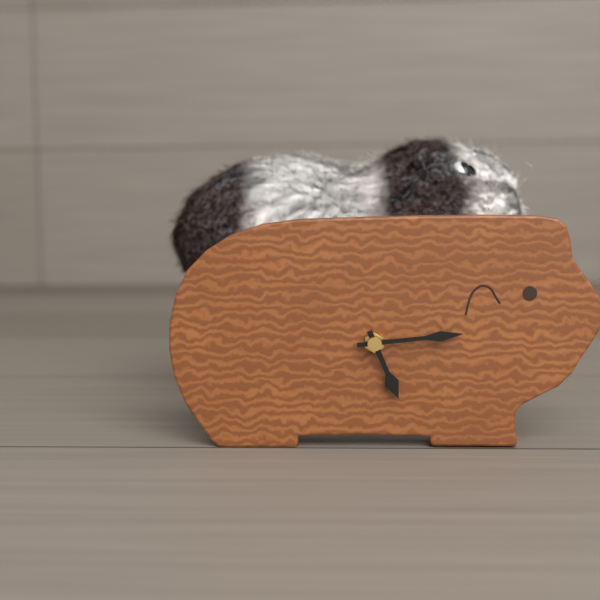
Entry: 5h14
